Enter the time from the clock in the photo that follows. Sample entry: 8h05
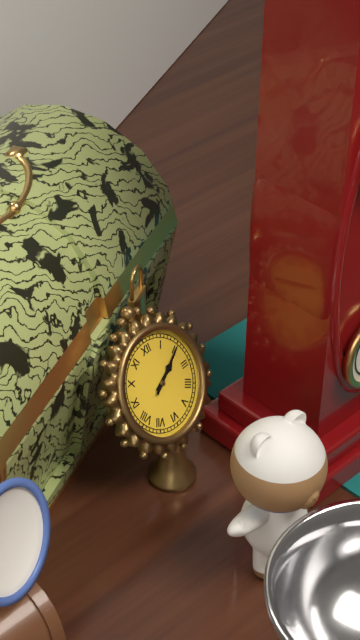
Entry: 2h10
